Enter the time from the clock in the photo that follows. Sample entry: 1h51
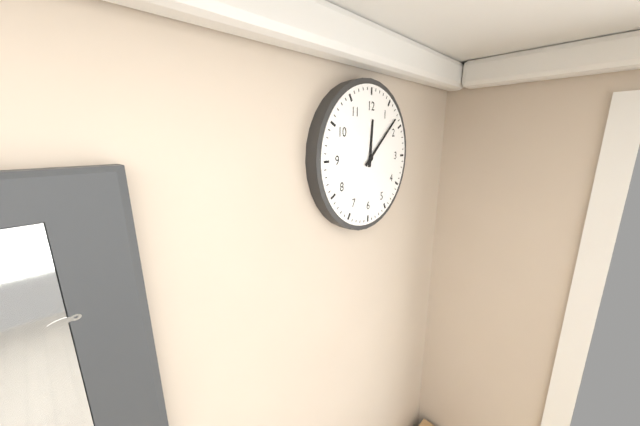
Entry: 12h08
